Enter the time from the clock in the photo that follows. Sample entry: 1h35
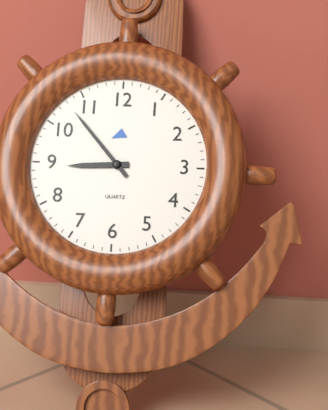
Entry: 8h53
